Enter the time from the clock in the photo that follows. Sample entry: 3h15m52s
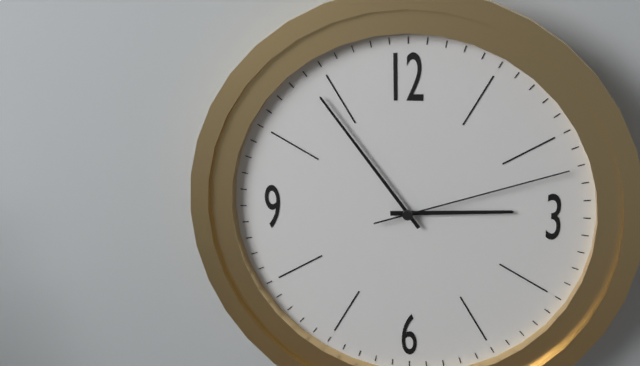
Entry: 2h54m12s
